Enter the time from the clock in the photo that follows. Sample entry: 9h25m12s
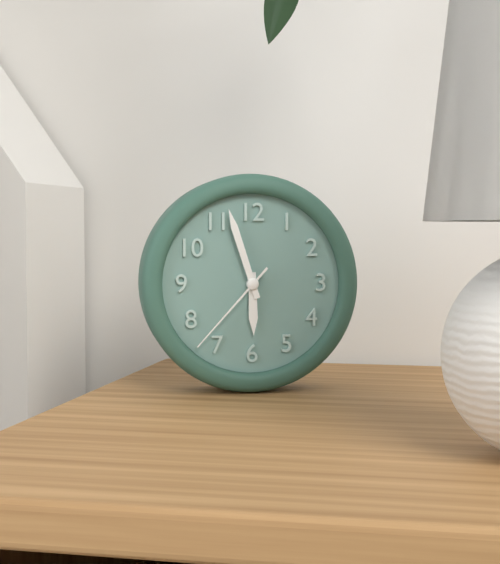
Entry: 5h57m37s
